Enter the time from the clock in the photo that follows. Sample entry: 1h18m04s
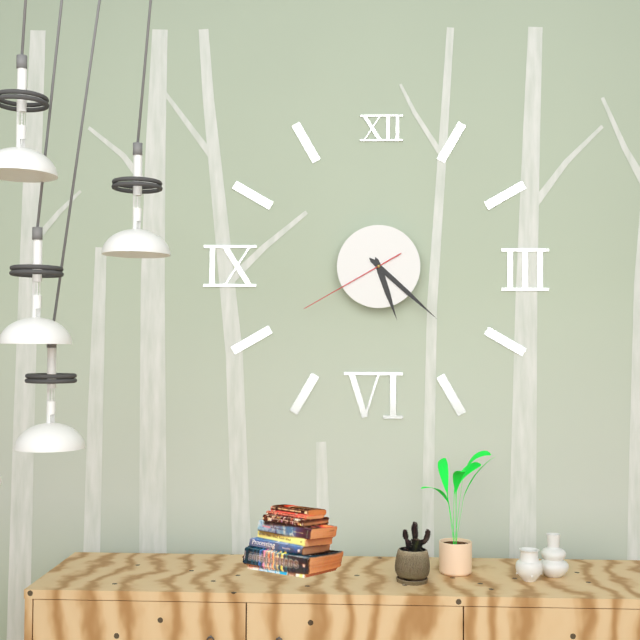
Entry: 5h22m40s
